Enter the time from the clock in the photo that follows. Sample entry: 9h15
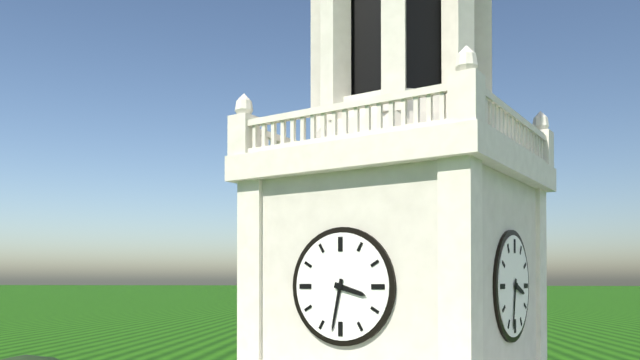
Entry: 3h32
